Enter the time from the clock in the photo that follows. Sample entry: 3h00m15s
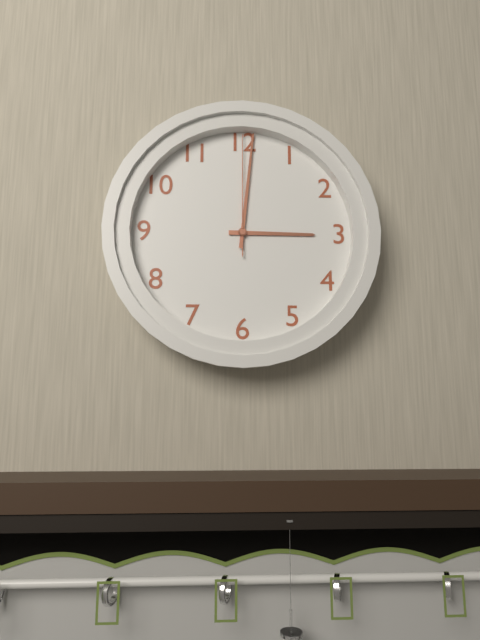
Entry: 3h01m00s
